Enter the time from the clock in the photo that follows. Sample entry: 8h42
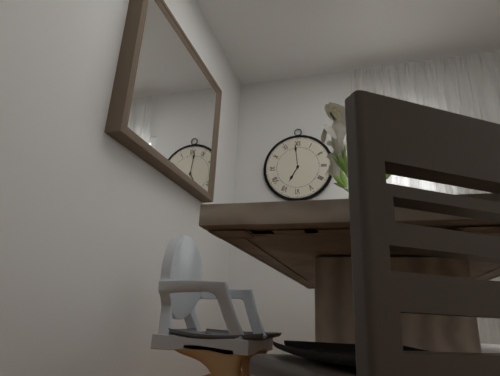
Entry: 6h59
